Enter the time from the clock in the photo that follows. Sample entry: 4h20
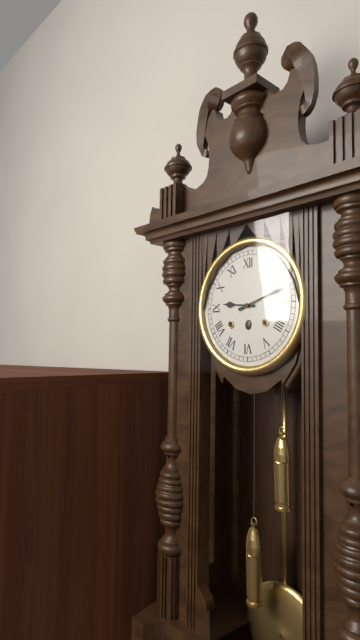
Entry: 9h12
